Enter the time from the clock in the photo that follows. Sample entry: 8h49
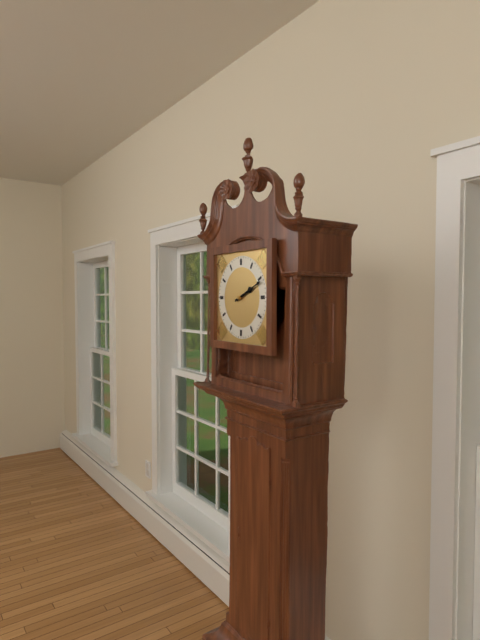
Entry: 2h11
